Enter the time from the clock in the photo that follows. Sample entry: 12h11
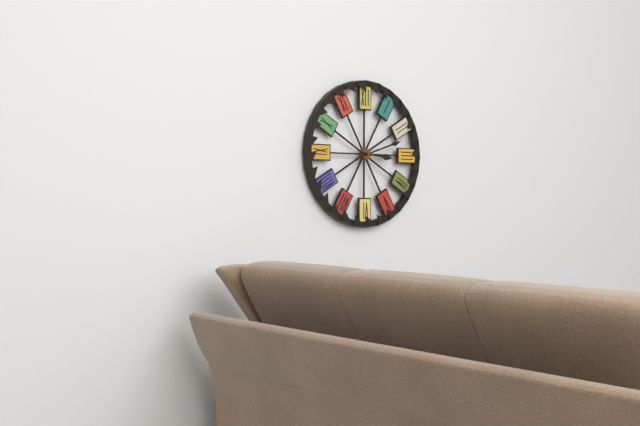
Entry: 3h12
